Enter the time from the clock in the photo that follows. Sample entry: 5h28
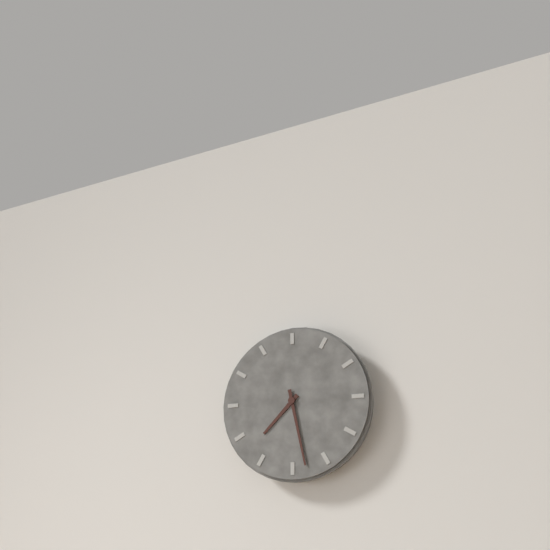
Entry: 7h28
